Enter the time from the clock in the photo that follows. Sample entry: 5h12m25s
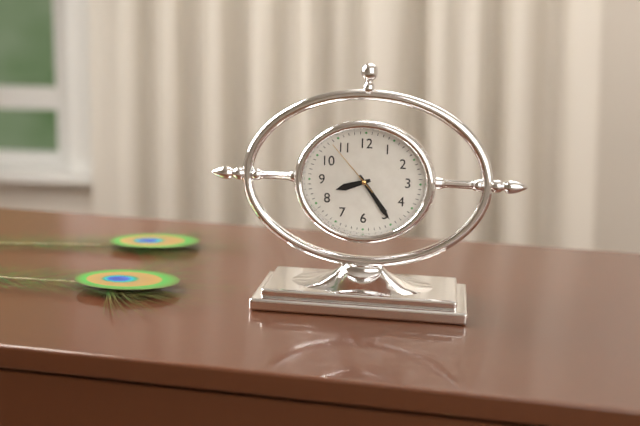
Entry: 8h24m53s
